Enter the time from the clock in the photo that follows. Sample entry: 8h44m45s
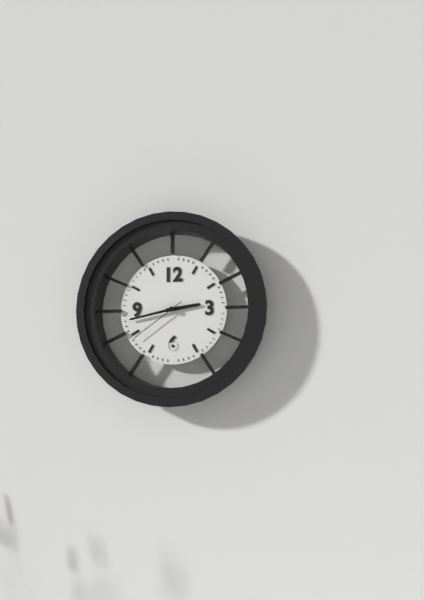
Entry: 2h43m39s
